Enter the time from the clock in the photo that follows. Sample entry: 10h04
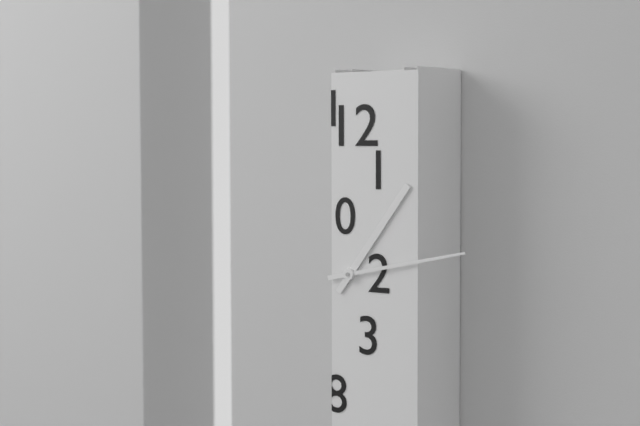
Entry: 1h13
